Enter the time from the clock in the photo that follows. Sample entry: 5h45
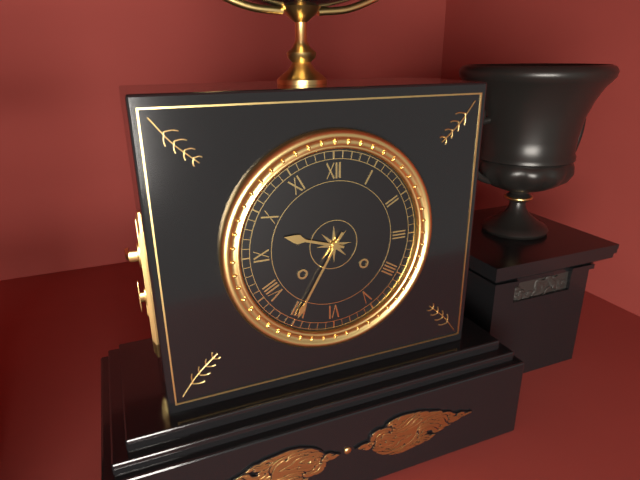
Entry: 9h35
